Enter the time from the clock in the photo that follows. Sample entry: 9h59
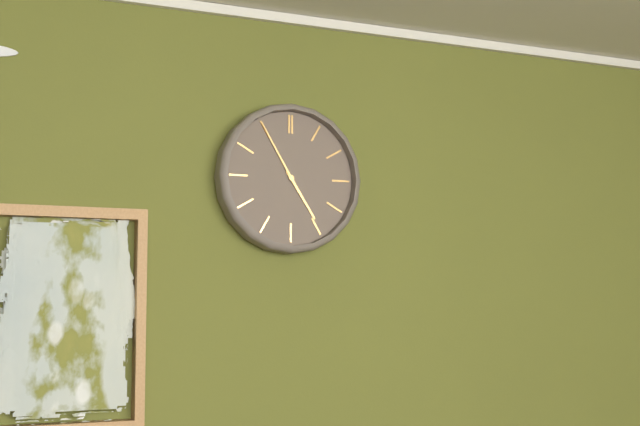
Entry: 4h55
